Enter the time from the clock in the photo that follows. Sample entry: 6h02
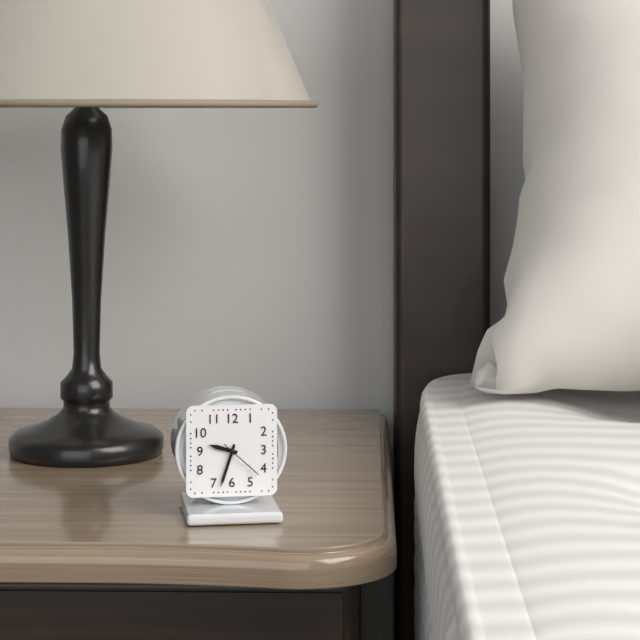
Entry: 9h33
